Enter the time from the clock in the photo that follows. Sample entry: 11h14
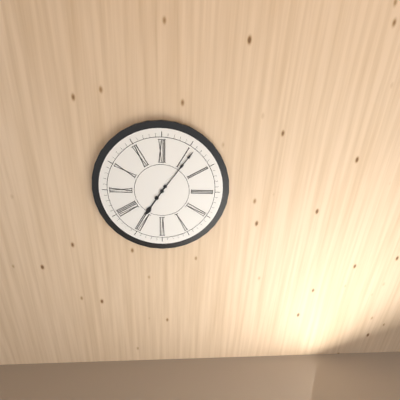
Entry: 7h06
